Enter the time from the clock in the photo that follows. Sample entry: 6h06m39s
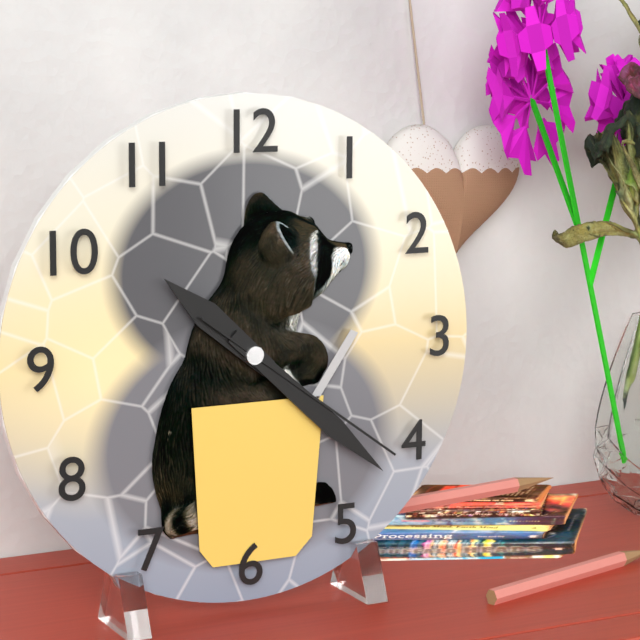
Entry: 10h22m21s
